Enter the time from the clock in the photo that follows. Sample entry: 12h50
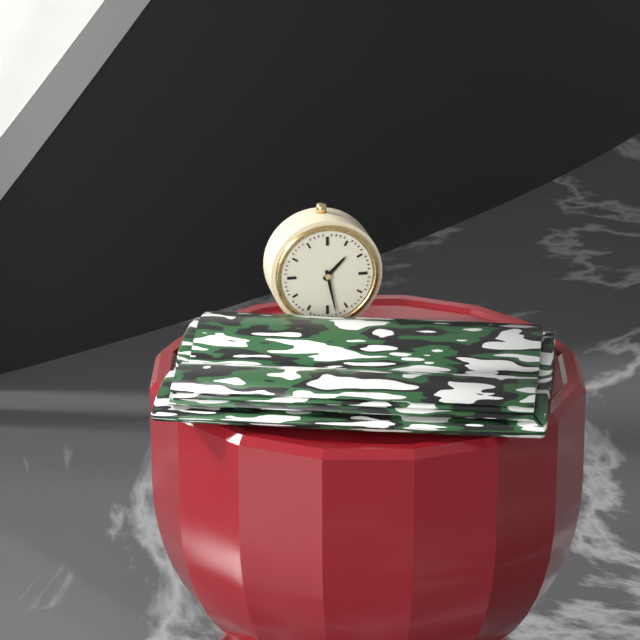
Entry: 1h28
